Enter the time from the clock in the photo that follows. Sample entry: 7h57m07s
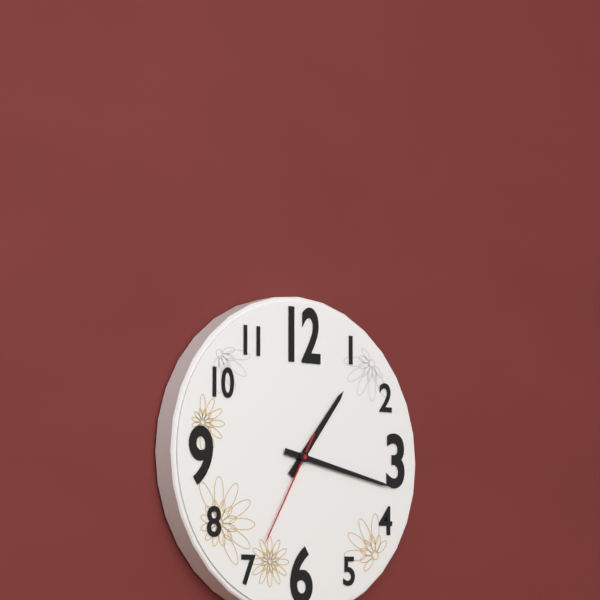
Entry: 1h17m35s
